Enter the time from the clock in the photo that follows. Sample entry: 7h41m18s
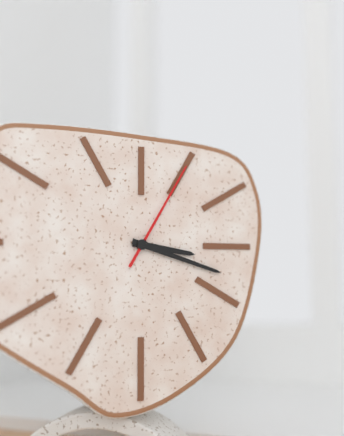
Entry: 3h18m05s
